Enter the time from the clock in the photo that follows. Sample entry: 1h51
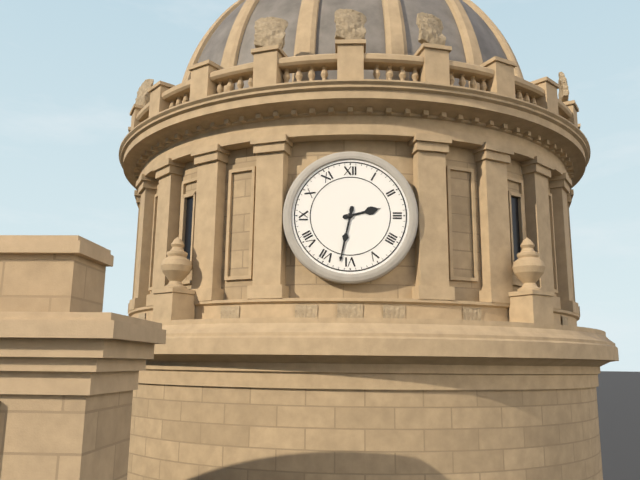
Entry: 2h32
